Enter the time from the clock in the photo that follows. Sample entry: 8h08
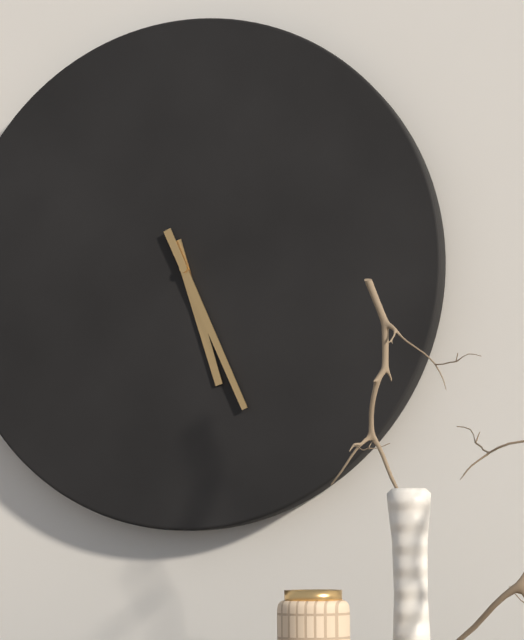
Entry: 5h26
